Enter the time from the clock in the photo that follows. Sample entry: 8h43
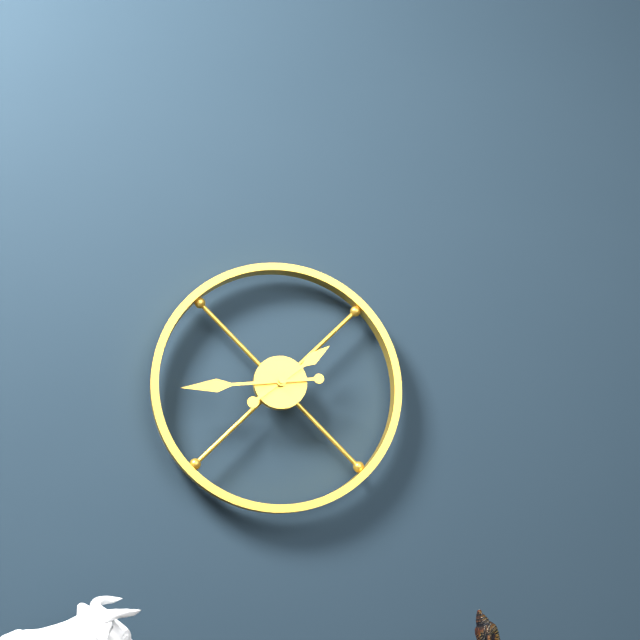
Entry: 1h44
